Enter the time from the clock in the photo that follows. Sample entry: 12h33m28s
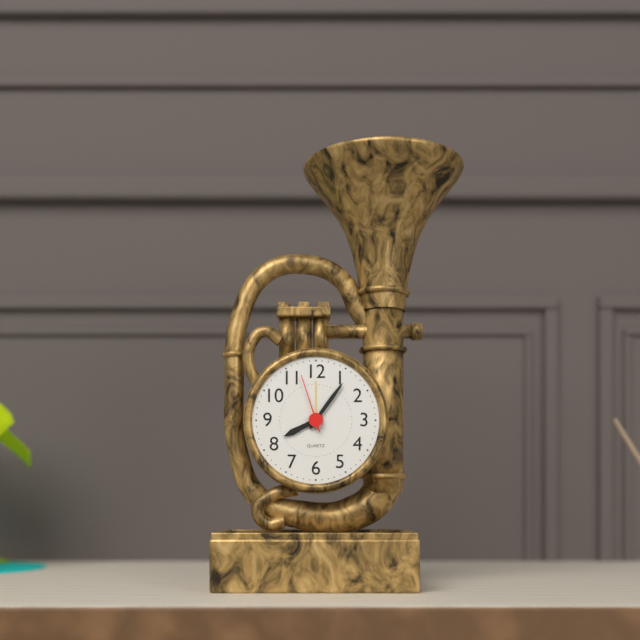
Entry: 8h06m57s
